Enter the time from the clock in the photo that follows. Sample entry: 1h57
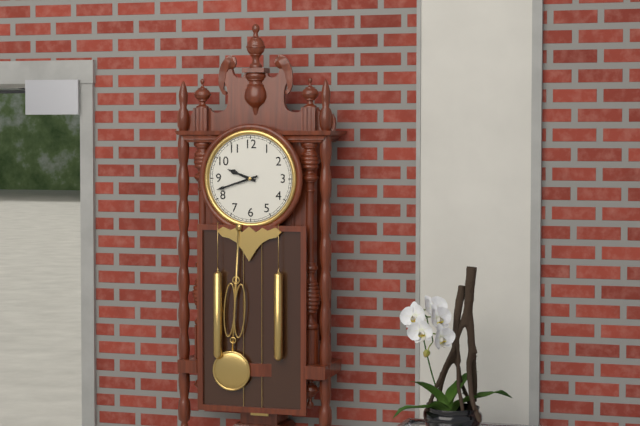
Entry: 9h42
